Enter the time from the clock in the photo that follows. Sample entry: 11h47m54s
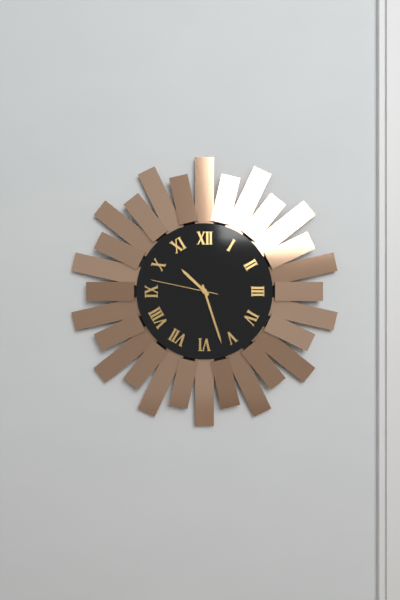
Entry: 10h27m47s
